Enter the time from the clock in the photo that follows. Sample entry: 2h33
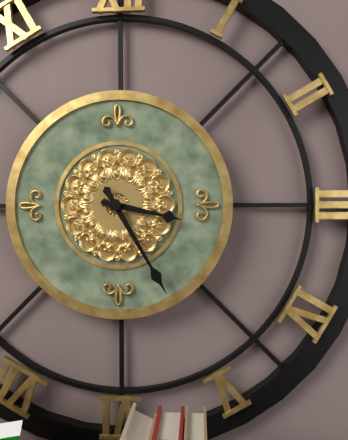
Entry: 3h25
